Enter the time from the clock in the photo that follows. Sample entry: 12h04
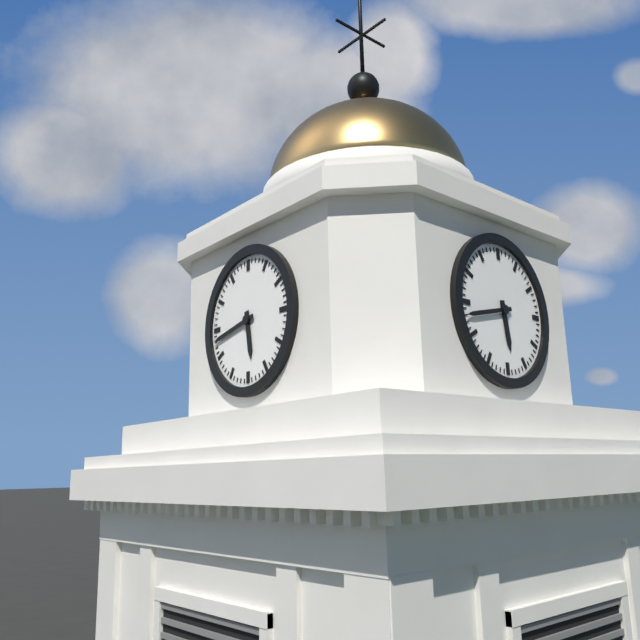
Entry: 5h43
